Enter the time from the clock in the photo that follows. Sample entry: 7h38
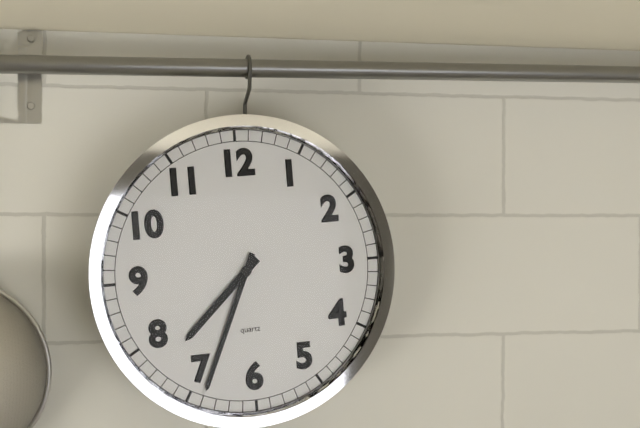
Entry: 7h34
